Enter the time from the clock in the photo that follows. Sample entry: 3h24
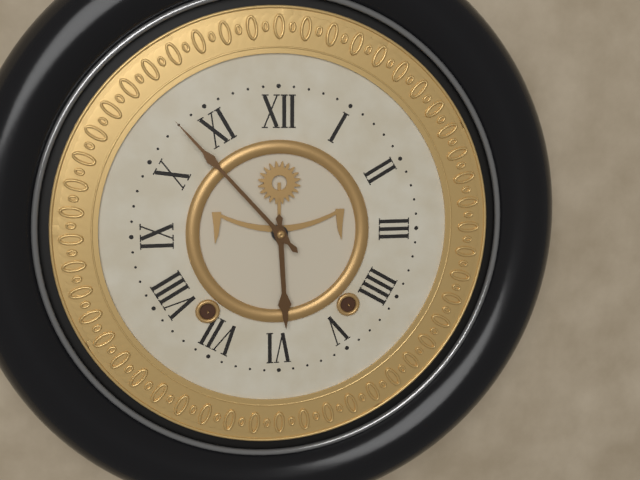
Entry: 5h53
